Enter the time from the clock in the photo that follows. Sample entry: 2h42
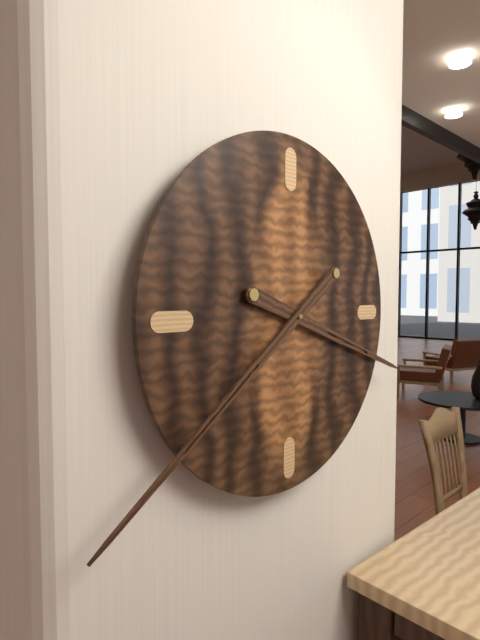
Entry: 3h39
